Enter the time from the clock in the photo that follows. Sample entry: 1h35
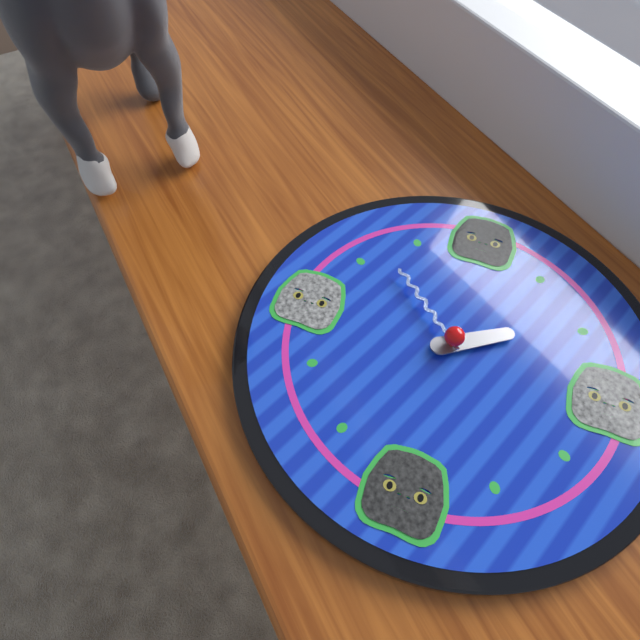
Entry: 1h52
